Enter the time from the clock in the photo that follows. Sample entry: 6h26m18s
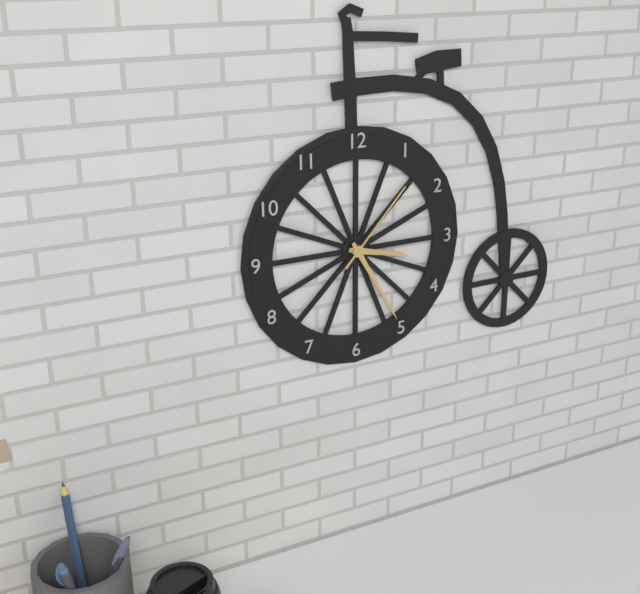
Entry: 3h25m07s
